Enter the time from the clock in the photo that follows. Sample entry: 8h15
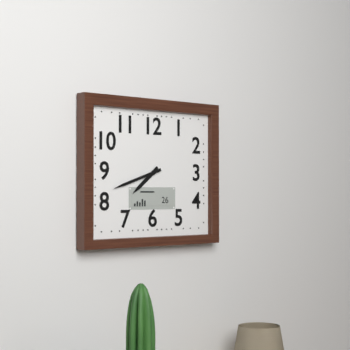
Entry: 7h42
